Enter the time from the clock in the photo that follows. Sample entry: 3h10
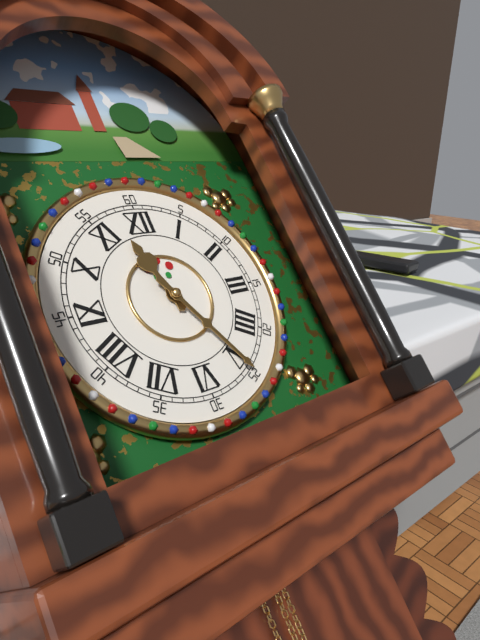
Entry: 11h25
